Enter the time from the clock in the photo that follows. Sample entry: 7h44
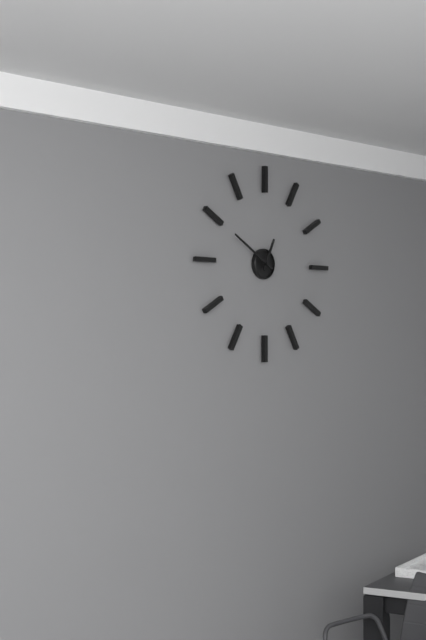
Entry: 12h50
